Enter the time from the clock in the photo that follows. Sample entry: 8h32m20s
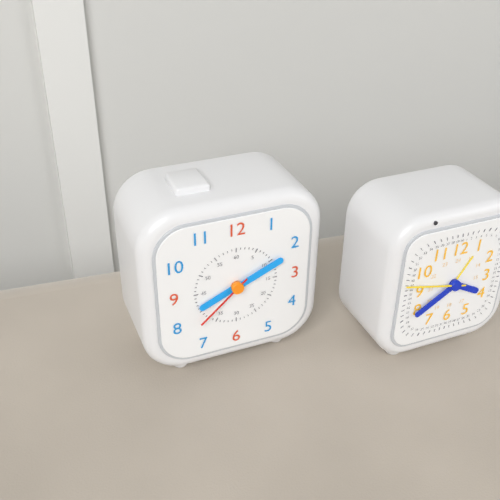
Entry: 8h11m38s
